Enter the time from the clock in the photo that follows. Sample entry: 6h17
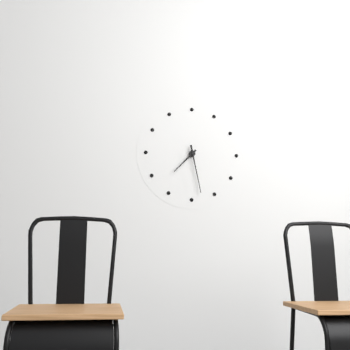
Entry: 7h28
